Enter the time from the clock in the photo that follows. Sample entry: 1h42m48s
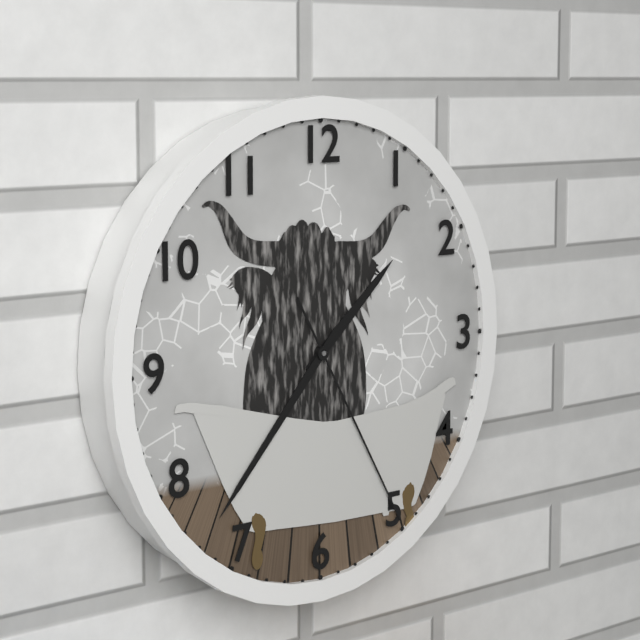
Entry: 1h37m25s
